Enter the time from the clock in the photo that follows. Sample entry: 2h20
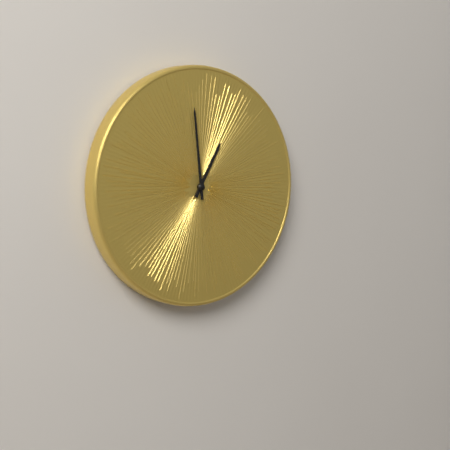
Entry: 12h59
